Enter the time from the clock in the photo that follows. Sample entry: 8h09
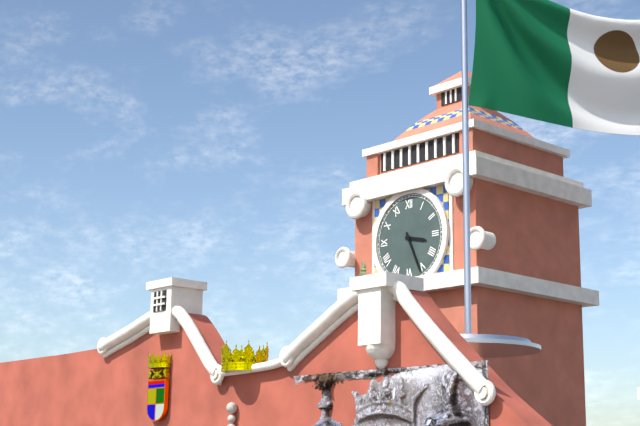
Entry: 3h26
